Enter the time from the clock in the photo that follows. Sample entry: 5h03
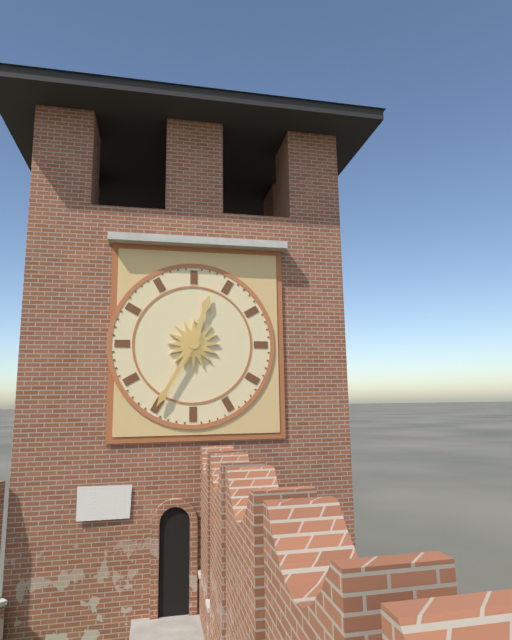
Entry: 12h35
